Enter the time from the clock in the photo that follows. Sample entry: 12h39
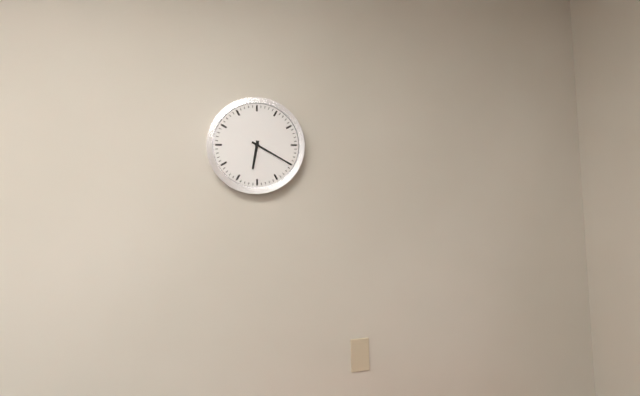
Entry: 6h20
